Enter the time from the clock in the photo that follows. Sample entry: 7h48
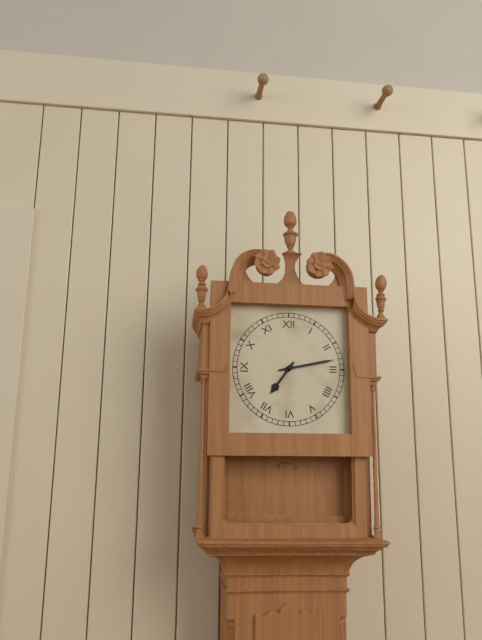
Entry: 7h13
